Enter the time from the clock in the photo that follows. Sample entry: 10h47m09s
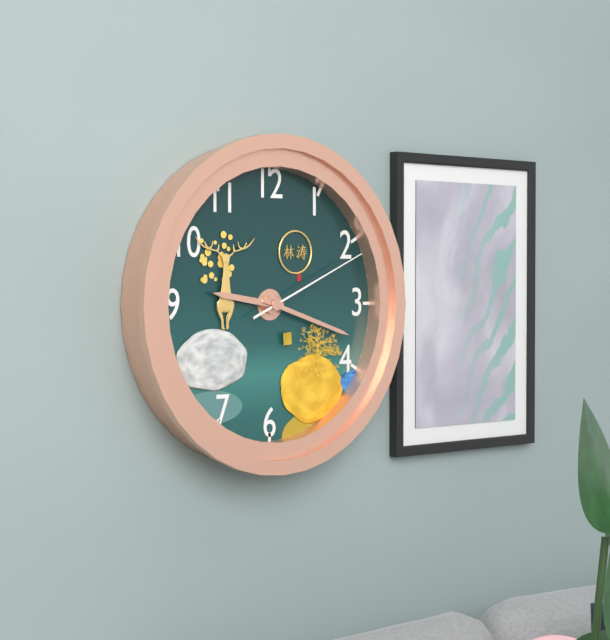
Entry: 9h18m11s
